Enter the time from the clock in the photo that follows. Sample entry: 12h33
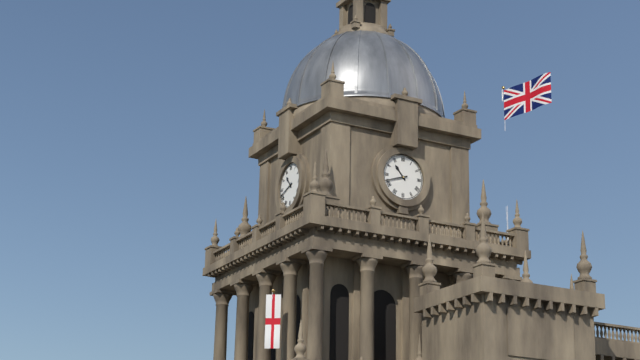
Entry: 10h42
